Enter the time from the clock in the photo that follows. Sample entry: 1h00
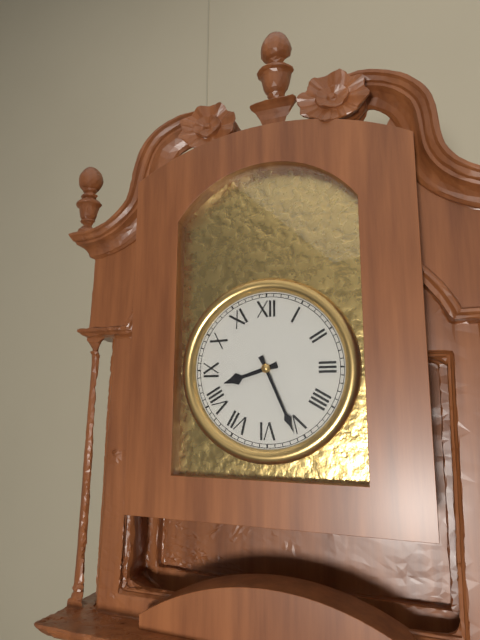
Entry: 8h26
